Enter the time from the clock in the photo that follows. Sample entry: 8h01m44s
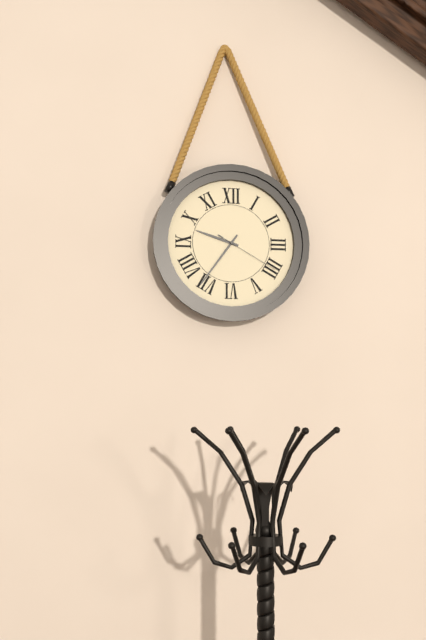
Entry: 9h36m20s
